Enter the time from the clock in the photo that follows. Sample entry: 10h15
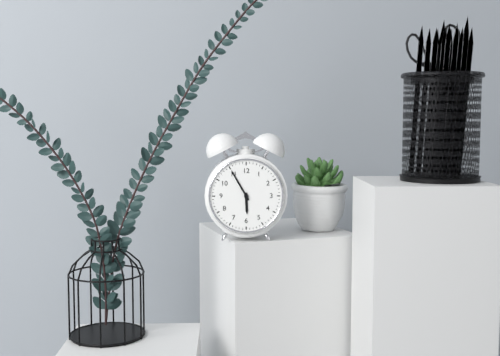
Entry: 5h55
